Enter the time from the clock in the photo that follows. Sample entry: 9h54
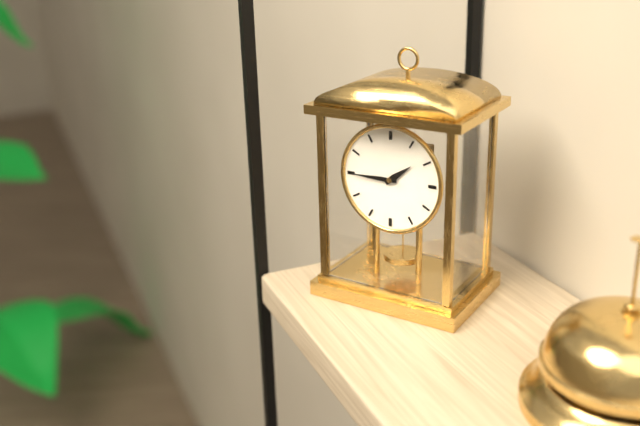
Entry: 1h45
